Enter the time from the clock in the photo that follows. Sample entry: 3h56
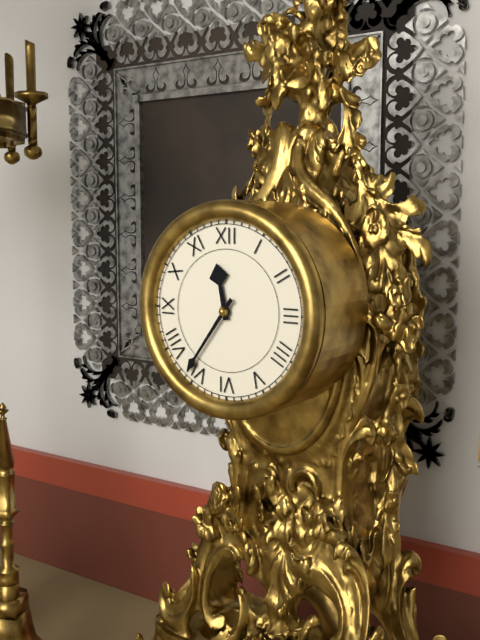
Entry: 11h36
